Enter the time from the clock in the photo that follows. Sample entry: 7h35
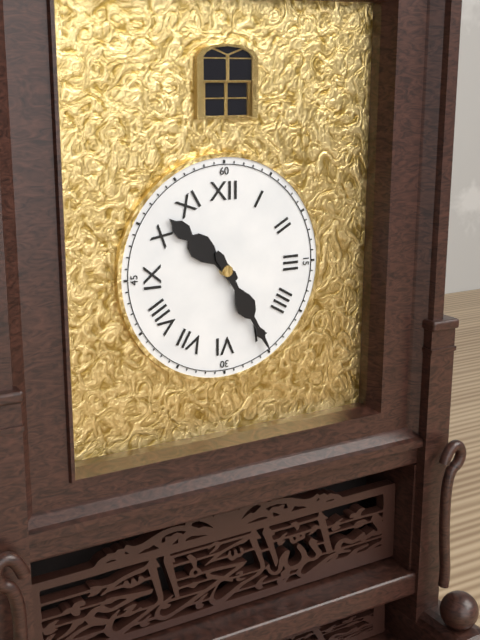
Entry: 10h25
